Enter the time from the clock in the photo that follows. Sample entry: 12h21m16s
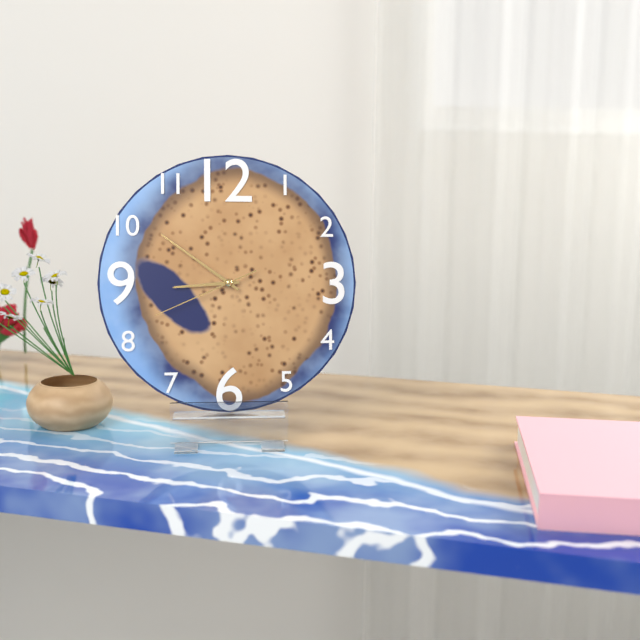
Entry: 8h51m41s
